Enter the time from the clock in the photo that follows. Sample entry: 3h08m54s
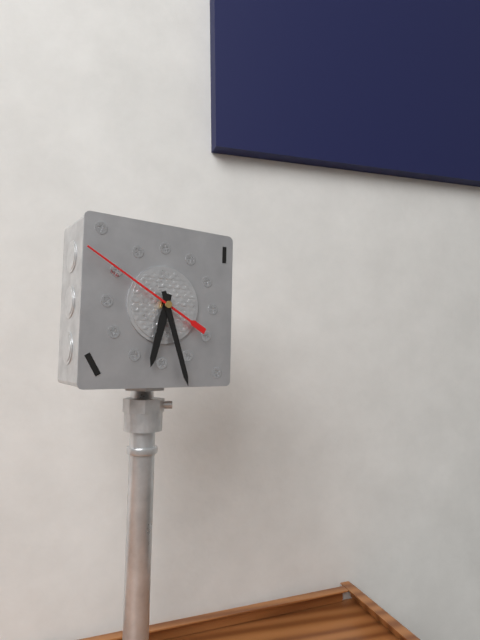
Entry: 6h27m50s
